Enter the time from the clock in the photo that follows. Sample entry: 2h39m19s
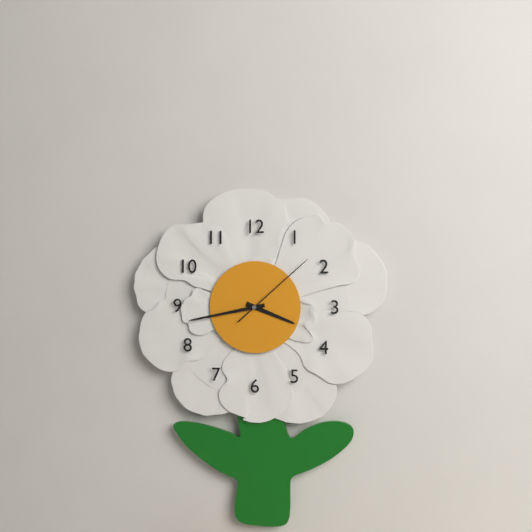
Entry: 3h43m08s
